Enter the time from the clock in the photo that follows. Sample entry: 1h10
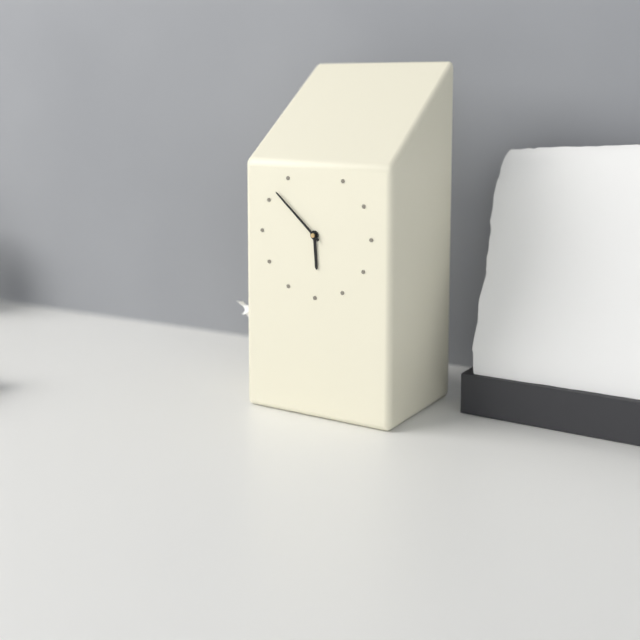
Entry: 5h52
